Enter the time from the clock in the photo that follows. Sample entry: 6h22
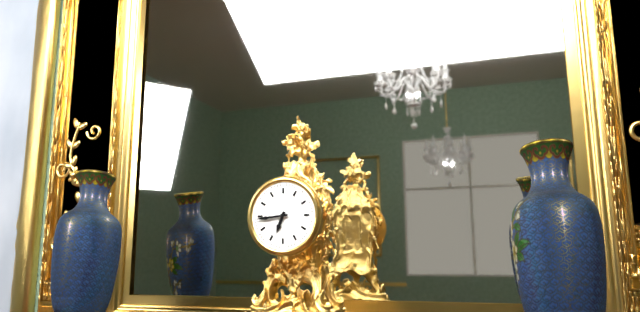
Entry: 6h44
